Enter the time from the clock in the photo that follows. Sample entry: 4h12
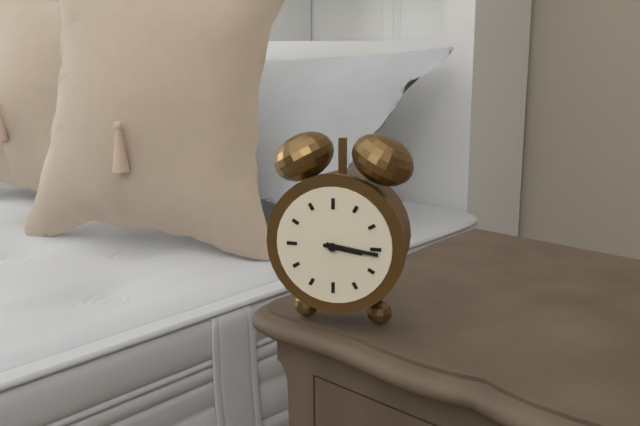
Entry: 3h16
